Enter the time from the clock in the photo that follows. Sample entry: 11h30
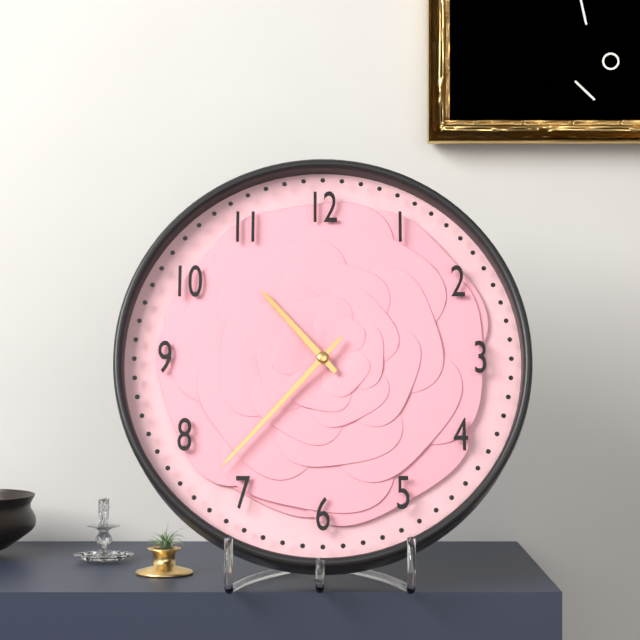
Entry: 10h37
